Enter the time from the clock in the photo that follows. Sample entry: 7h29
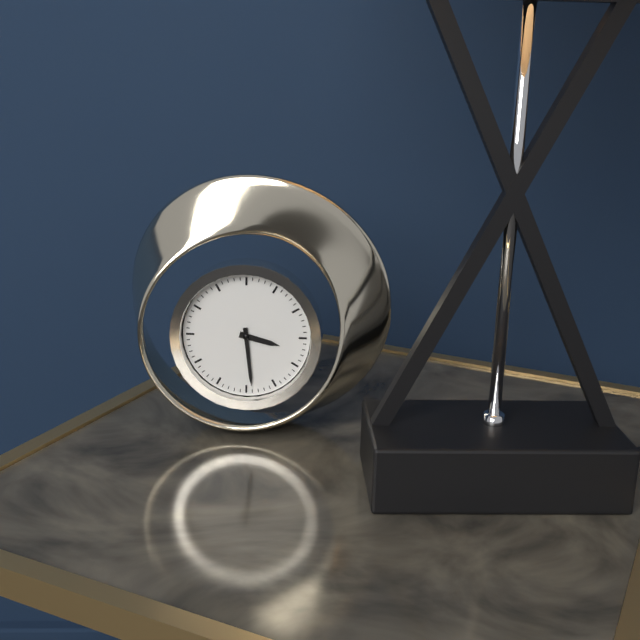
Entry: 3h29
